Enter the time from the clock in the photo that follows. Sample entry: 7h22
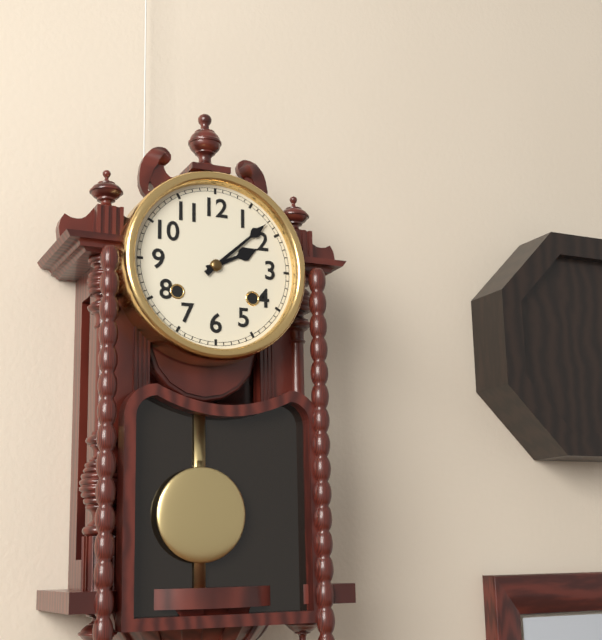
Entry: 2h08
